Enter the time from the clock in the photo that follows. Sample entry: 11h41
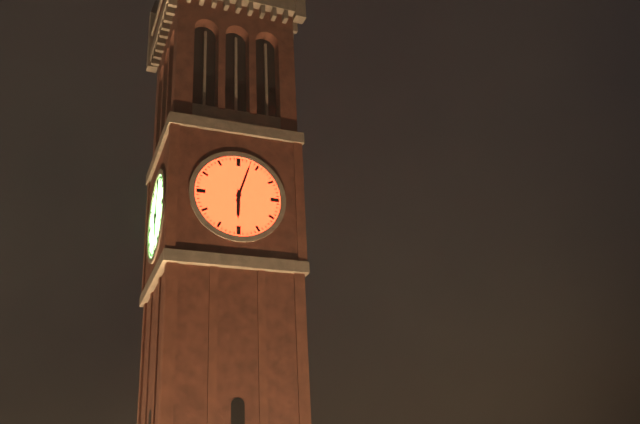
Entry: 6h03
